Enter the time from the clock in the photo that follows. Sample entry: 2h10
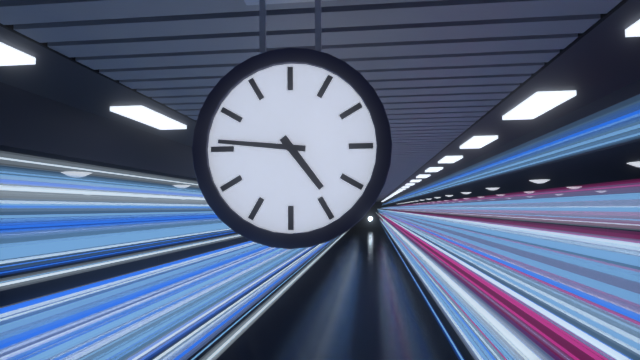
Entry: 4h46
